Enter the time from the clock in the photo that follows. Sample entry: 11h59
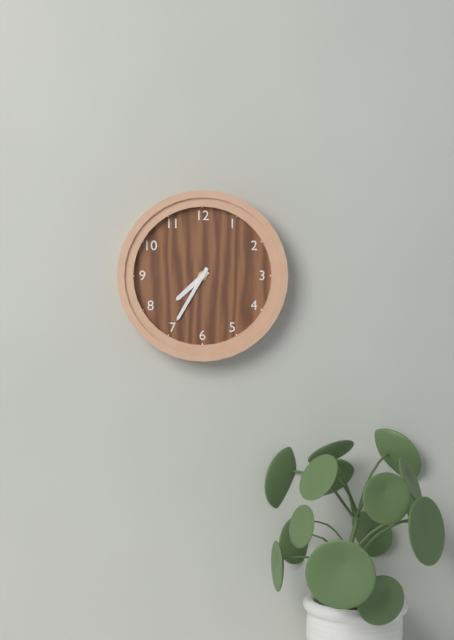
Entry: 7h35
